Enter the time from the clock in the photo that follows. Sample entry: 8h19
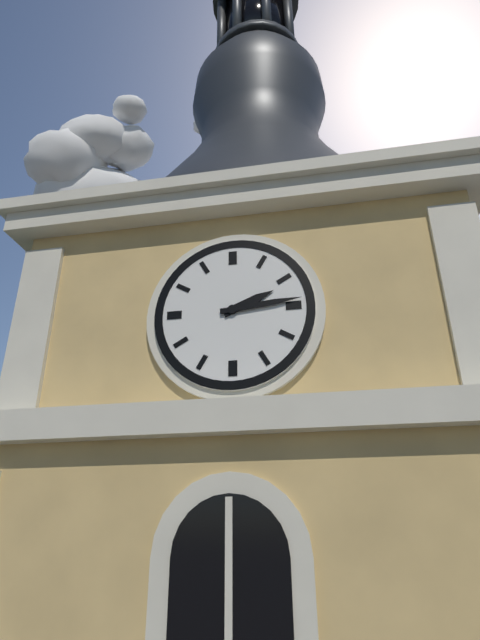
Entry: 2h14
